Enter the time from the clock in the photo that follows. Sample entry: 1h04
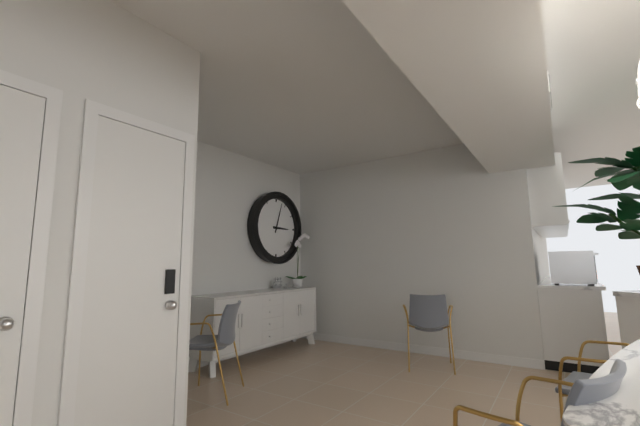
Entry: 3h03
